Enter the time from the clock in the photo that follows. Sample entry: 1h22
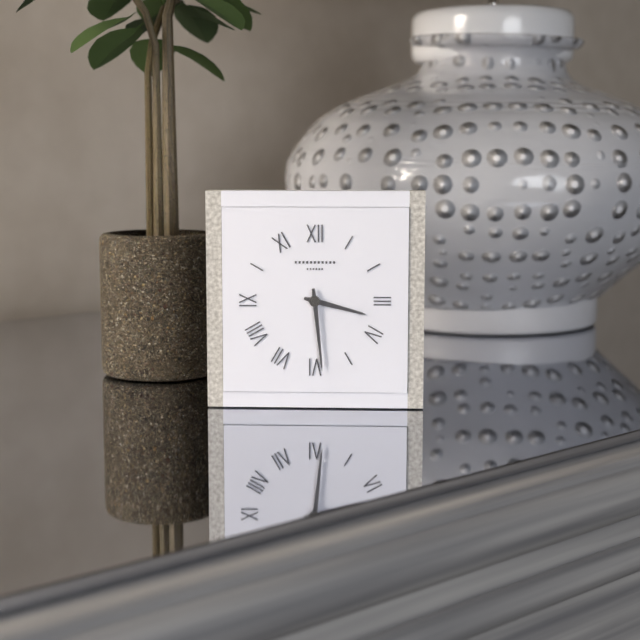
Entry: 3h29
